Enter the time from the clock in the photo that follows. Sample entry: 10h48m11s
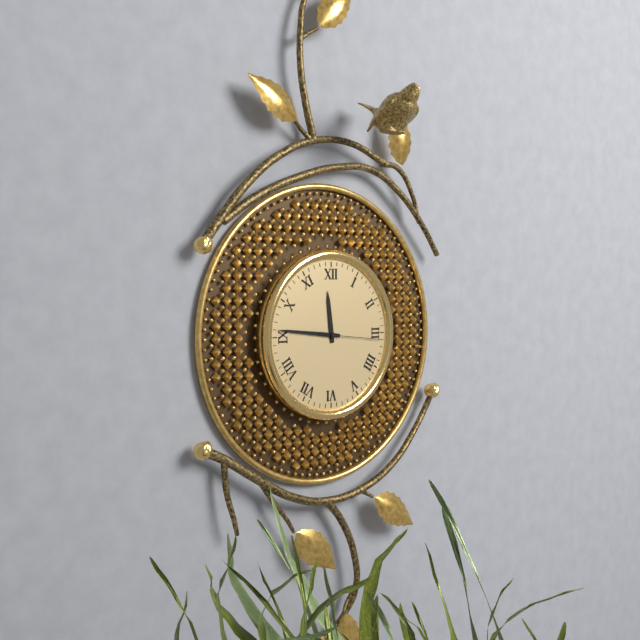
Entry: 11h46m16s
